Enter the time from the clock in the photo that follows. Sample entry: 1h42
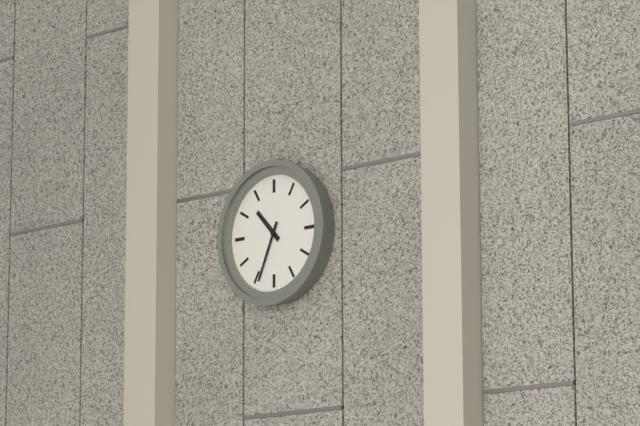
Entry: 10h34
